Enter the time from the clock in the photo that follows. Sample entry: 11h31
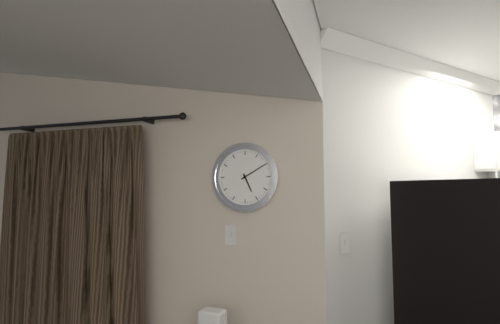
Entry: 5h10
